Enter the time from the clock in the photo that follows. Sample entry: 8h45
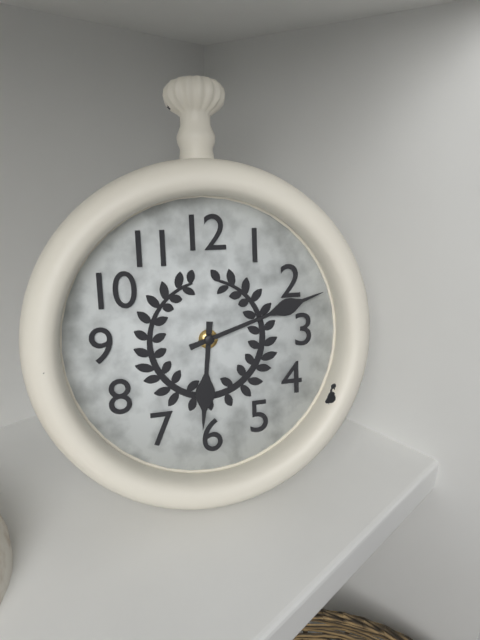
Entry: 6h12
